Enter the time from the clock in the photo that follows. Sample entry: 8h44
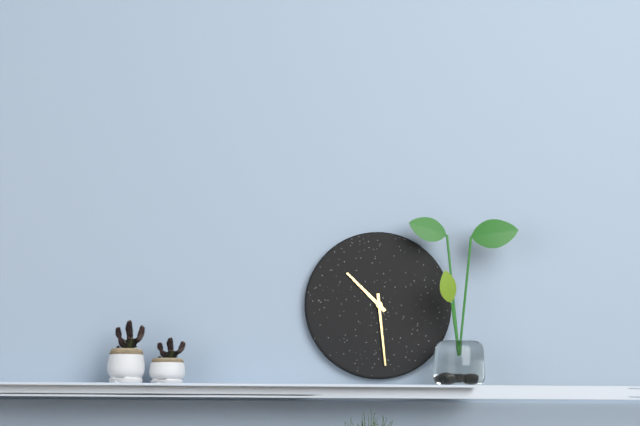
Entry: 10h29
